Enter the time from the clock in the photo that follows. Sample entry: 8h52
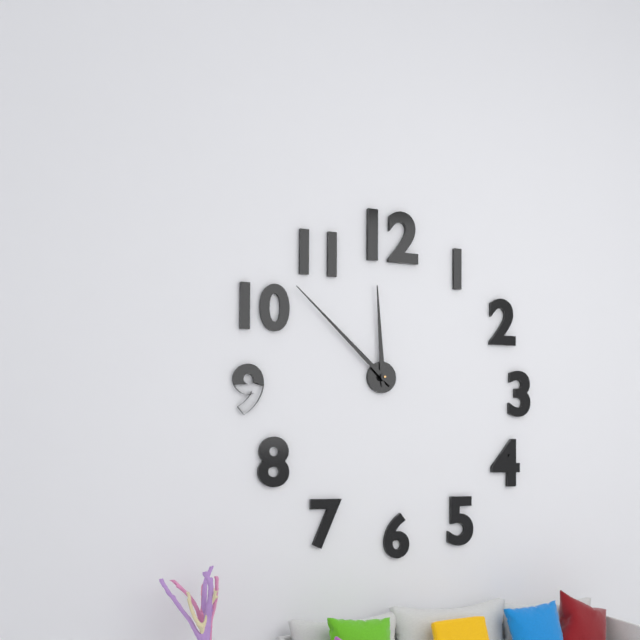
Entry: 11h52
